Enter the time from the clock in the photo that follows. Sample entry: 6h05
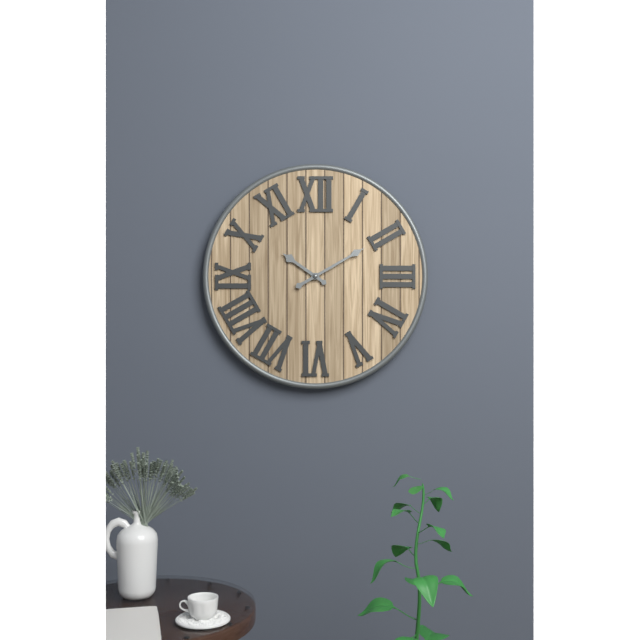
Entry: 10h10
